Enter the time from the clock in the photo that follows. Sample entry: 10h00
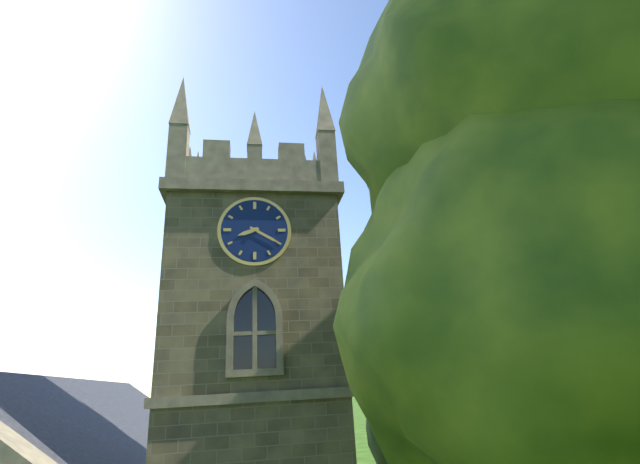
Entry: 8h20
